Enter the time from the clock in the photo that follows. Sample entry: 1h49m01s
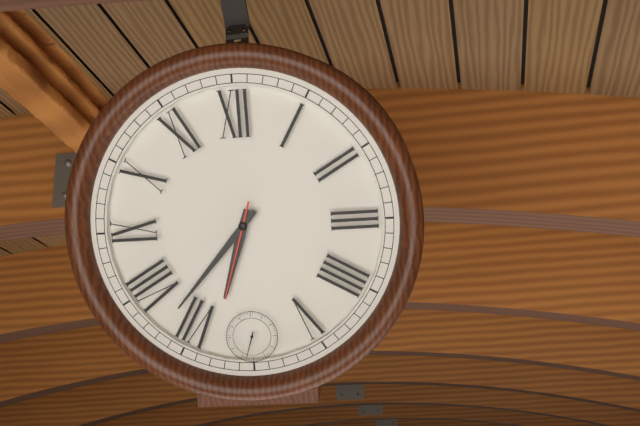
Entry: 6h37m33s
